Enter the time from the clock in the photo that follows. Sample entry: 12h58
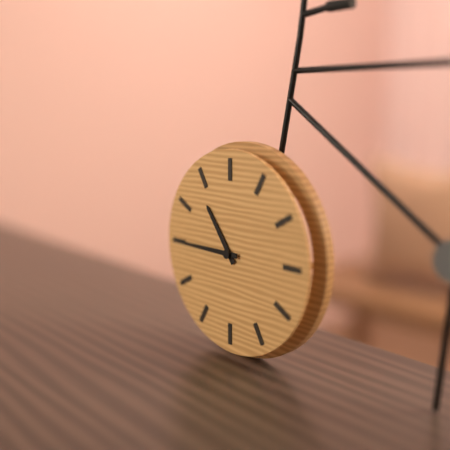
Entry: 10h45
